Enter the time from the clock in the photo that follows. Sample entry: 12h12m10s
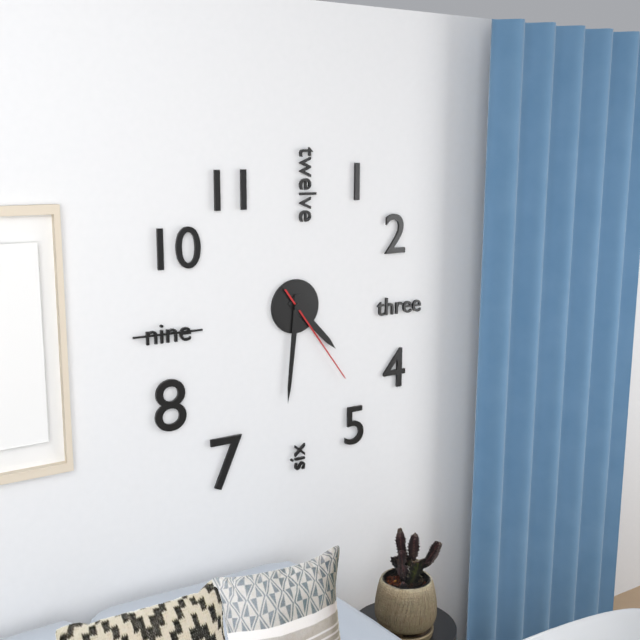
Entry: 4h31m24s
